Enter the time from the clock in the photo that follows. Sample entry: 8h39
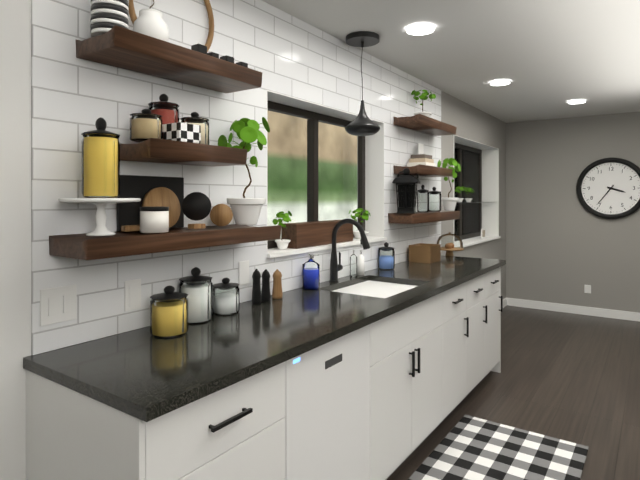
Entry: 3h36
